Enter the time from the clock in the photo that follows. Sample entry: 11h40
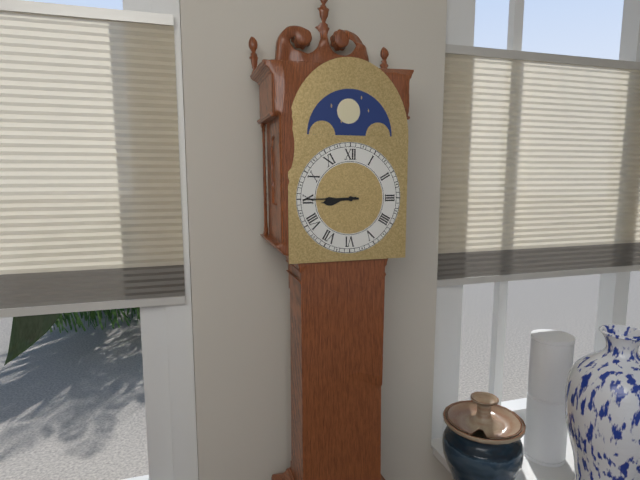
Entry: 8h45
